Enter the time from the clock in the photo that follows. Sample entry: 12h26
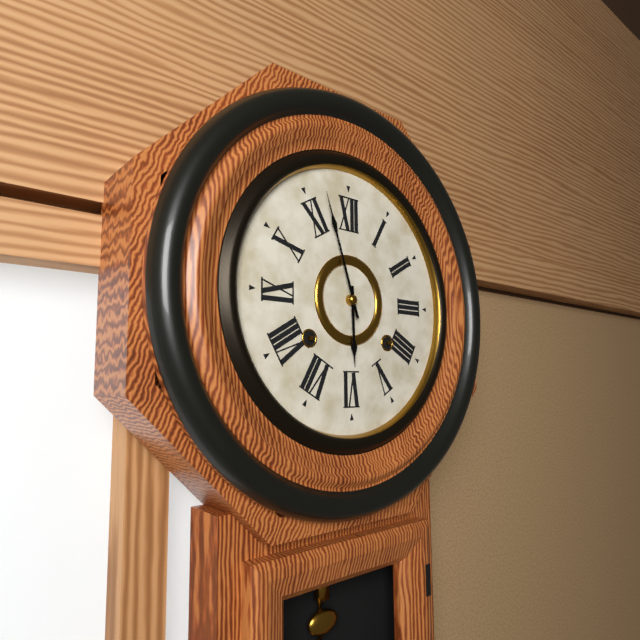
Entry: 5h57
